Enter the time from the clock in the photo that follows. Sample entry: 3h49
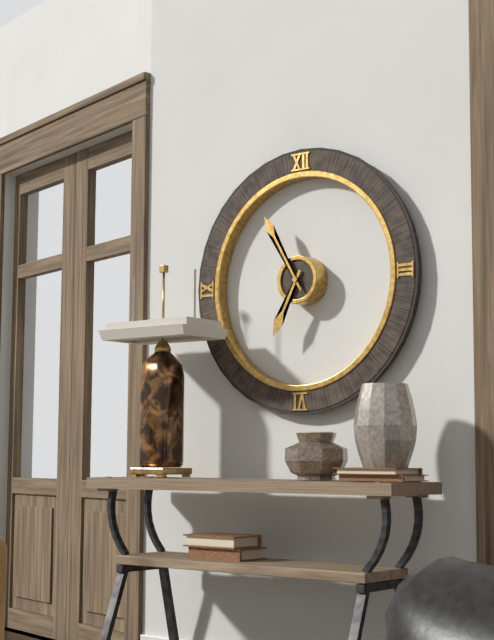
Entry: 6h55
